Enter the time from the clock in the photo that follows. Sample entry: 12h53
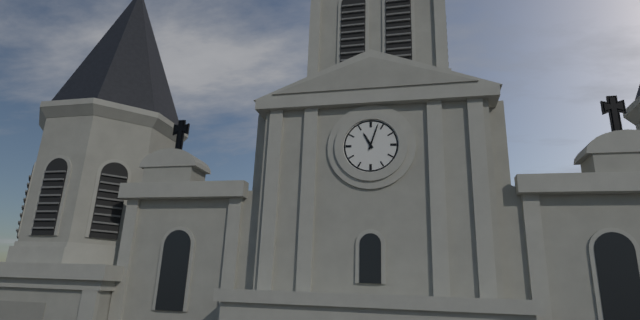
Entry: 11h03
